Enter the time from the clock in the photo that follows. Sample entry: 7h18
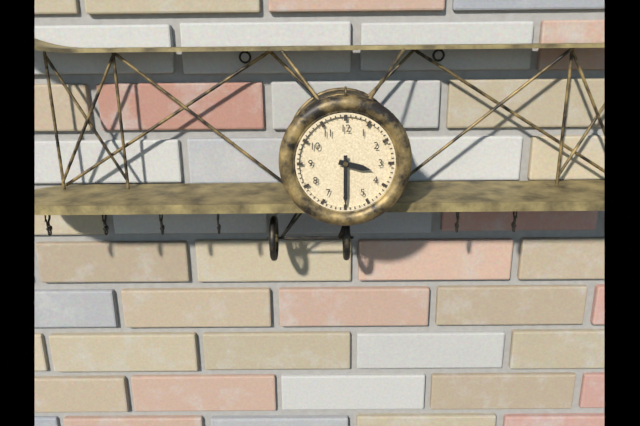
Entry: 3h30
